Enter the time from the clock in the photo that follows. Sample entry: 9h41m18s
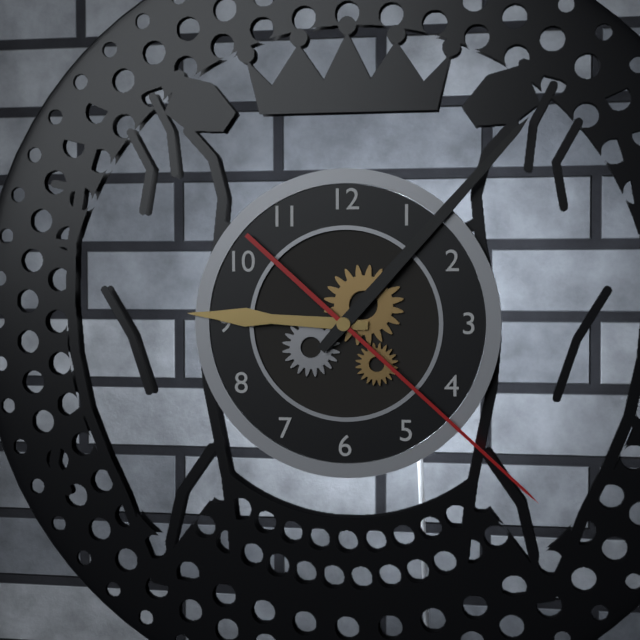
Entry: 9h07m22s
